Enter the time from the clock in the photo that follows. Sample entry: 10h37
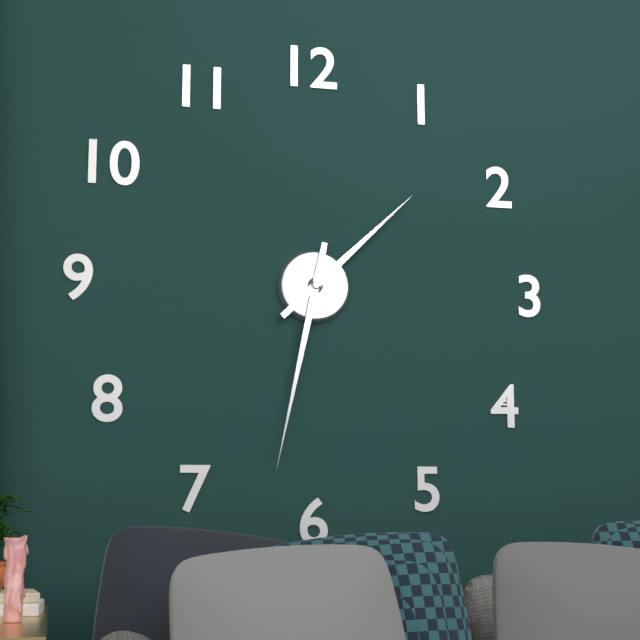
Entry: 1h32
